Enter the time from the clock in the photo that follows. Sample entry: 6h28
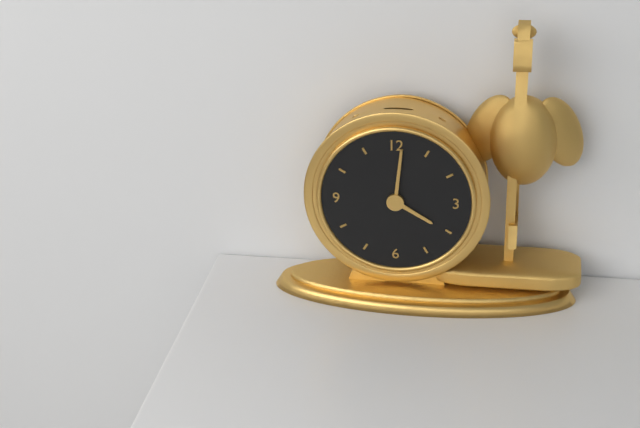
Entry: 4h01
